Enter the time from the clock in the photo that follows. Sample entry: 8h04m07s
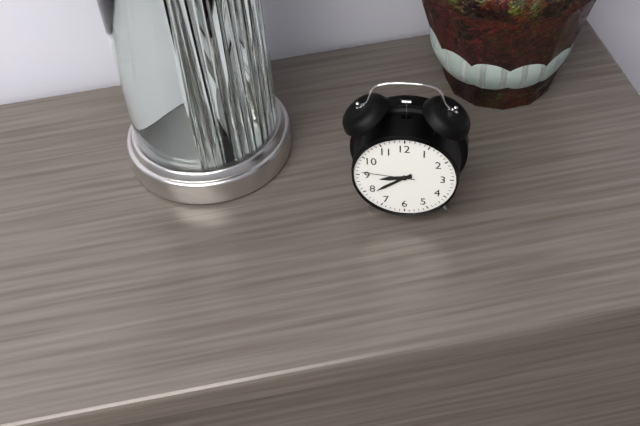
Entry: 8h39m46s
